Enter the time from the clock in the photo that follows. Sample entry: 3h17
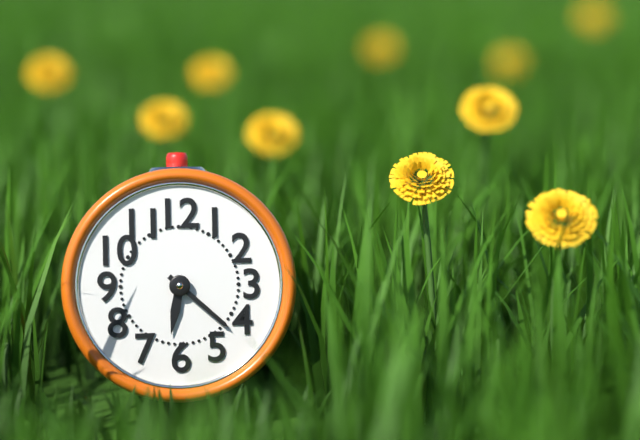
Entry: 6h22
